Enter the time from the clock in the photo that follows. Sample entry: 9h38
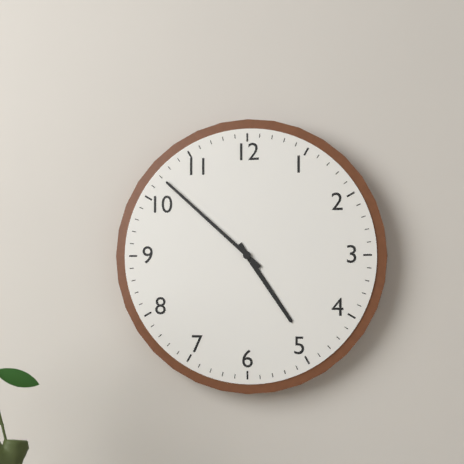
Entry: 4h52
